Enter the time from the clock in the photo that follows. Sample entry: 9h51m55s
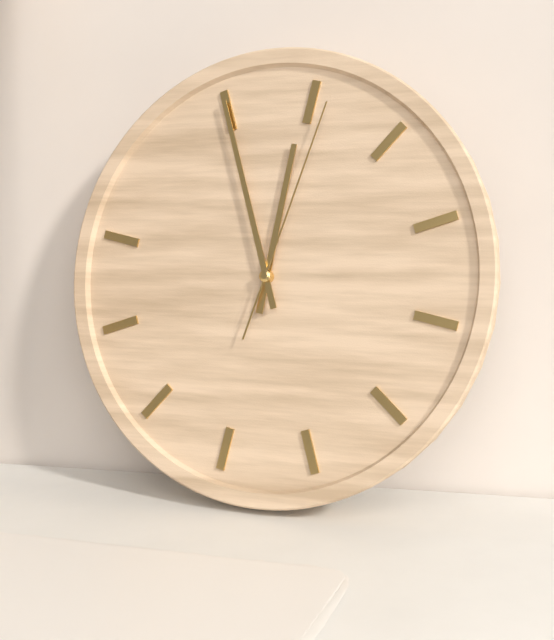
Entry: 11h55m01s
